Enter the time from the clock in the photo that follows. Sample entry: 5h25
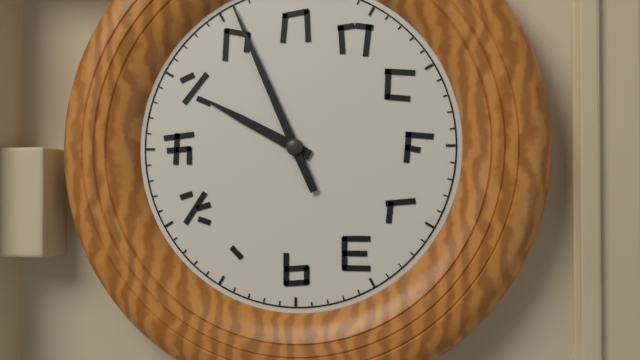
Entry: 9h56
